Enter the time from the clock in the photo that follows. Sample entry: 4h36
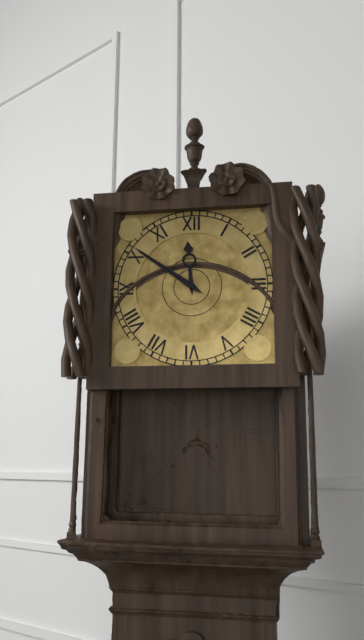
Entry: 11h51
